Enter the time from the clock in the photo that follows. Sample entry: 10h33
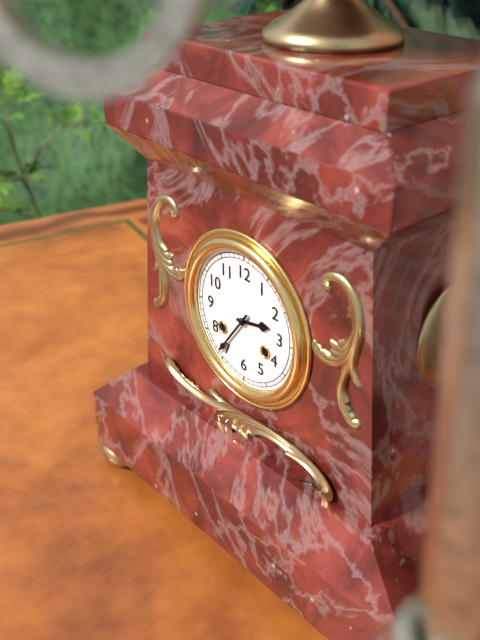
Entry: 2h36
